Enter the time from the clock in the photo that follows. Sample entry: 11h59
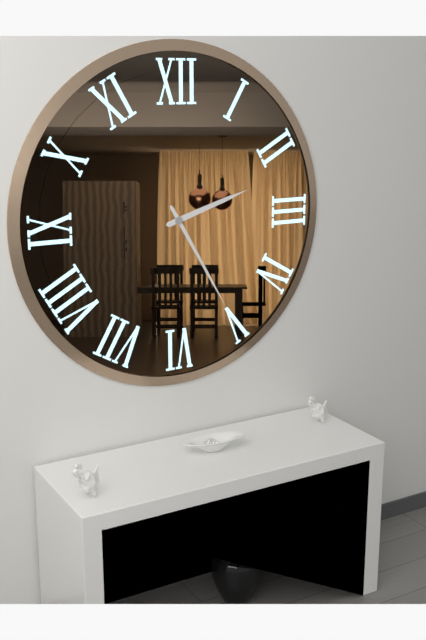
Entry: 2h25
